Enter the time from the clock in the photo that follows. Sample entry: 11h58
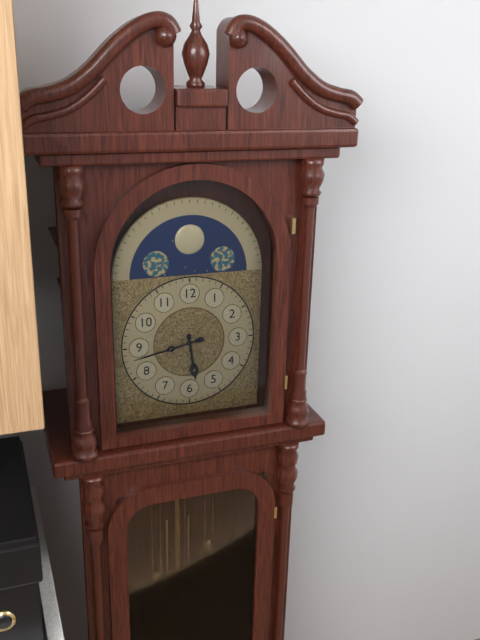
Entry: 5h43
